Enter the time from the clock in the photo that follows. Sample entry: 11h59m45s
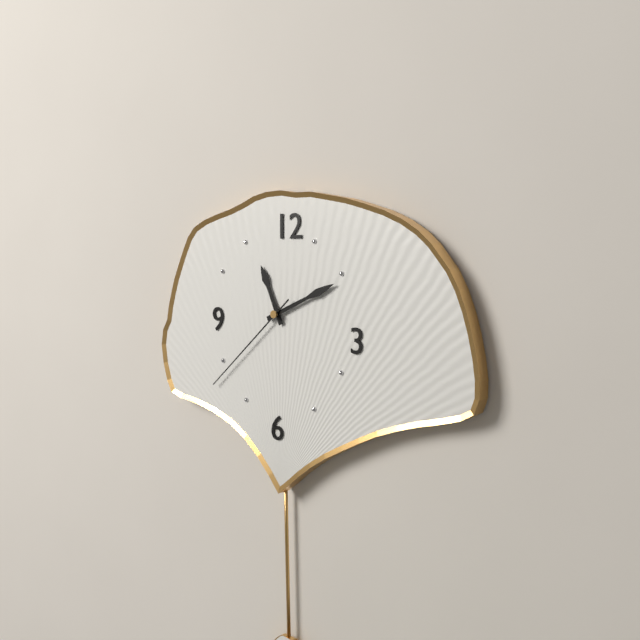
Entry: 11h11m38s
